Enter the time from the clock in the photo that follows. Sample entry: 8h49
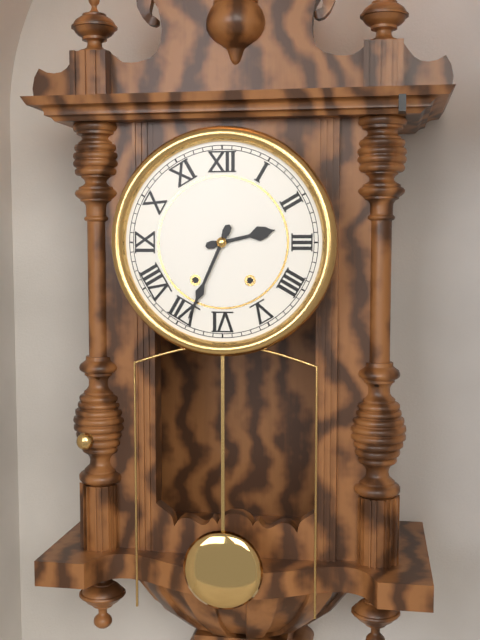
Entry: 2h34
